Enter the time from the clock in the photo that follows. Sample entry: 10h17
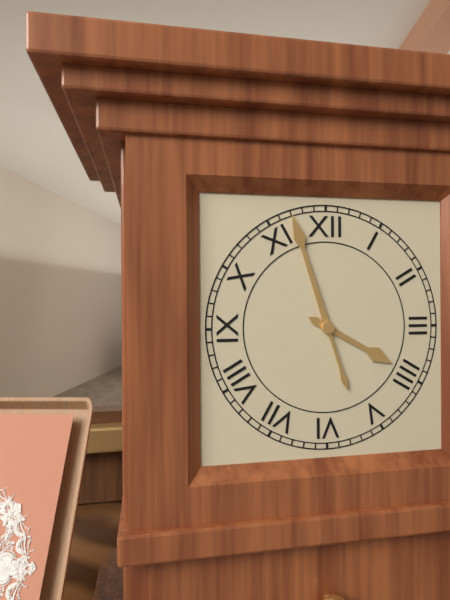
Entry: 3h57
